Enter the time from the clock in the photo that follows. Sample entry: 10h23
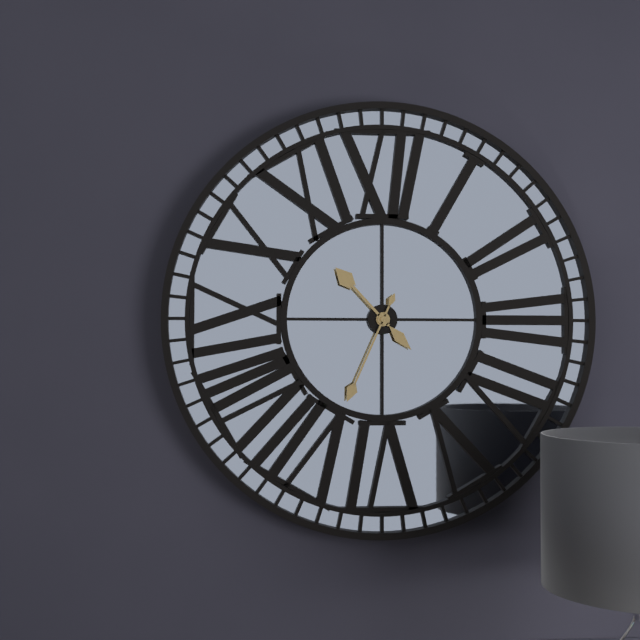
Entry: 10h34
